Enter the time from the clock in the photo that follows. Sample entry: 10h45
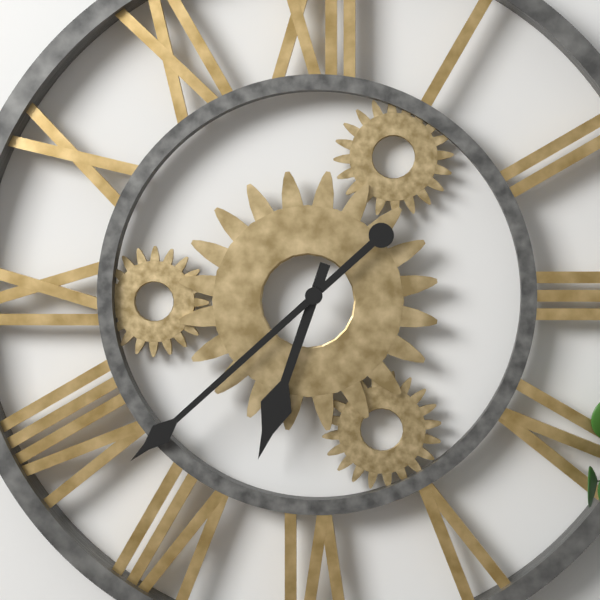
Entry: 6h38
